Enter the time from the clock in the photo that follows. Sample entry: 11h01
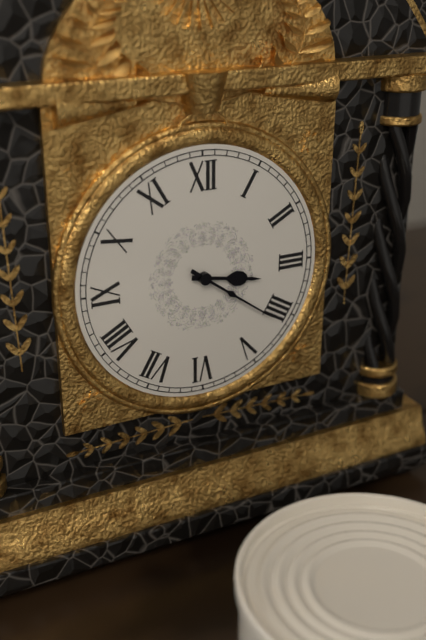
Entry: 3h21
